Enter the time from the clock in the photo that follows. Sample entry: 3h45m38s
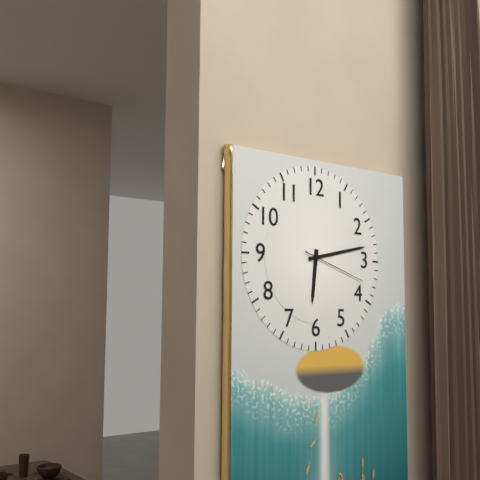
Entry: 6h13m18s
